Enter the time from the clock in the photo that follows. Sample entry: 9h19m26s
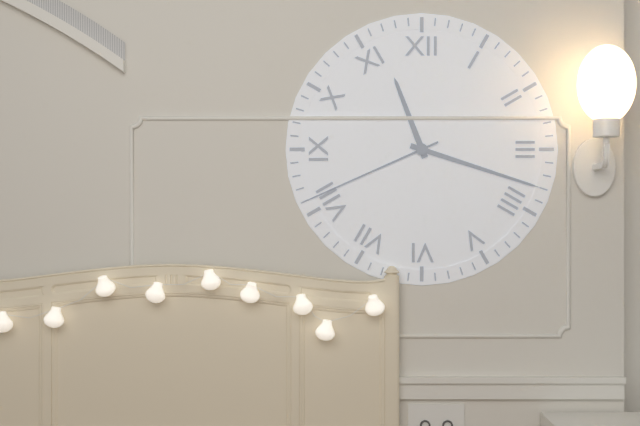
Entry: 11h18m41s
